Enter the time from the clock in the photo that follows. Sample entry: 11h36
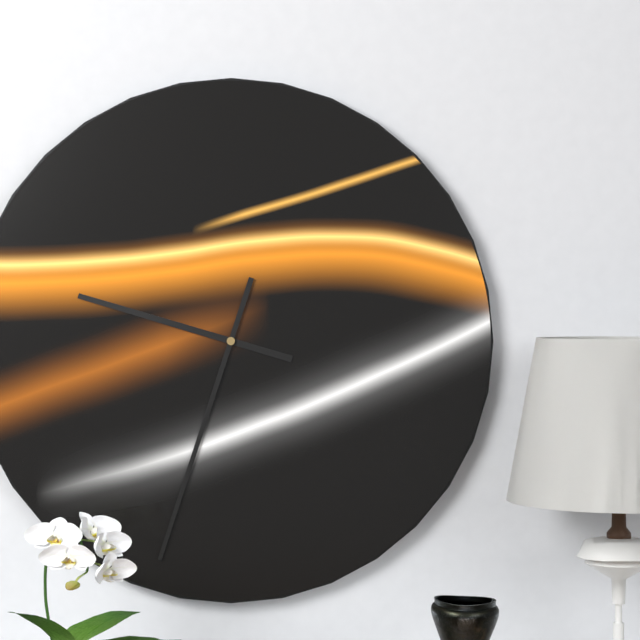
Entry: 9h33
